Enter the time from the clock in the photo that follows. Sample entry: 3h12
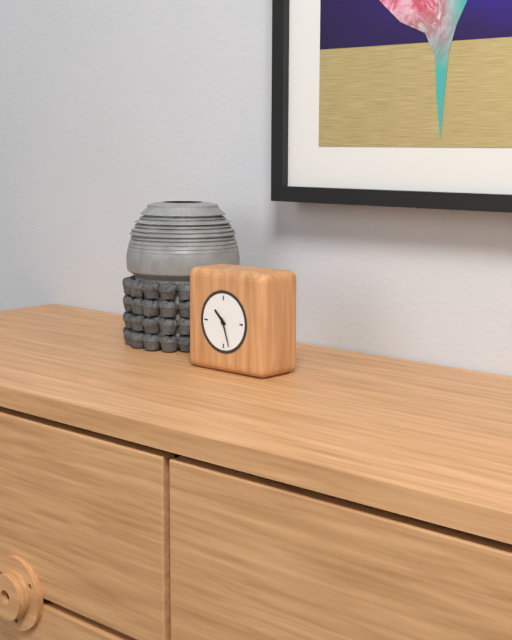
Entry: 10h27
